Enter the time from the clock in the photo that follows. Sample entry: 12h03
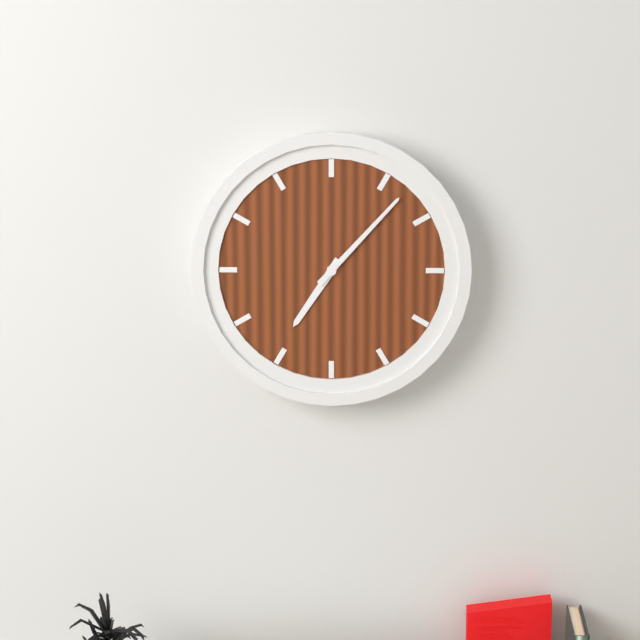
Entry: 7h07
